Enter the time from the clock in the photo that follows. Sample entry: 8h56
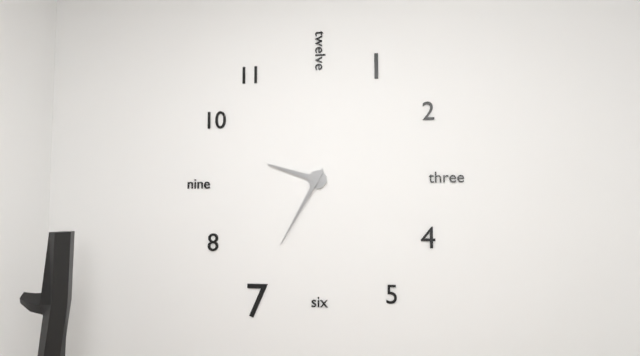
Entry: 9h35
